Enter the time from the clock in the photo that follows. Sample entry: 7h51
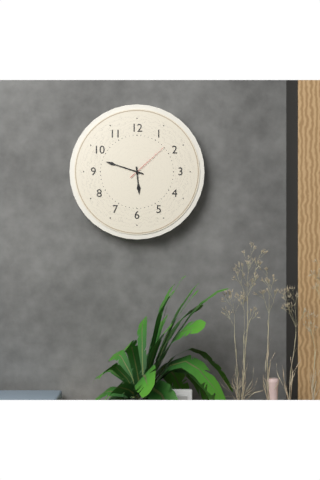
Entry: 5h48
